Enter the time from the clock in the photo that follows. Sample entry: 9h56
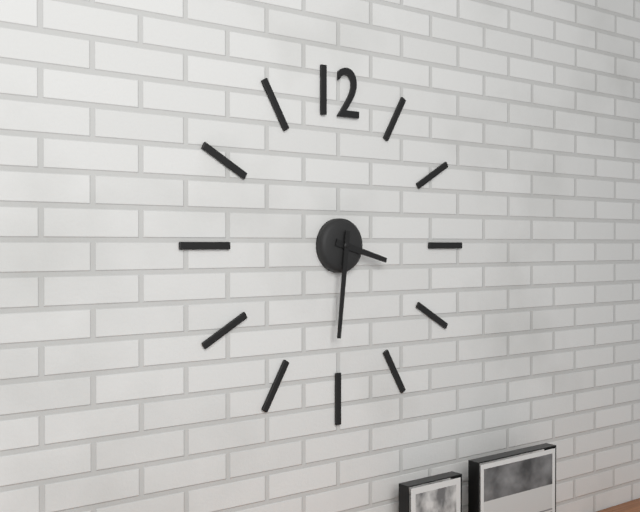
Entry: 3h31
